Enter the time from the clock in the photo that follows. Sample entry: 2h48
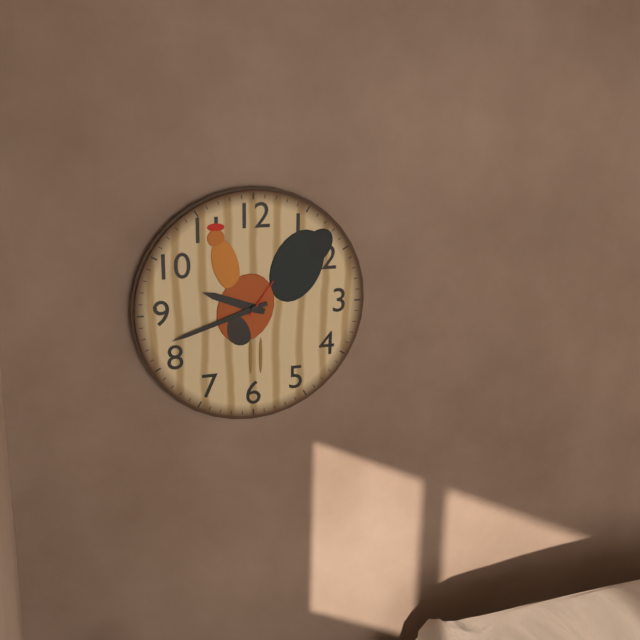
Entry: 9h42
